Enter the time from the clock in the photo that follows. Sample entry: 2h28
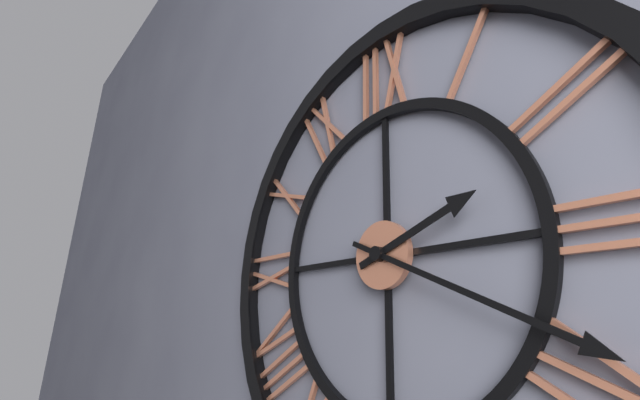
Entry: 2h19
